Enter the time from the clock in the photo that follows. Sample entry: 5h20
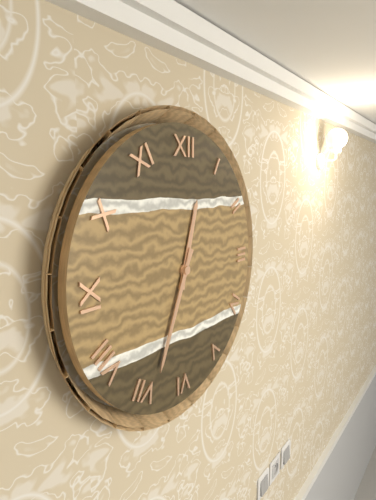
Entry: 12h34
